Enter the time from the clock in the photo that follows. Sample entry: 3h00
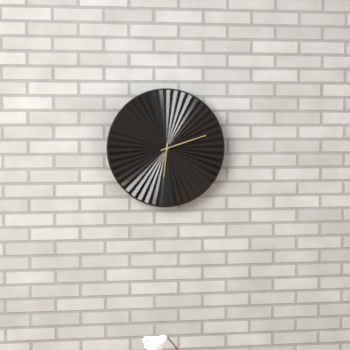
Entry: 6h12
